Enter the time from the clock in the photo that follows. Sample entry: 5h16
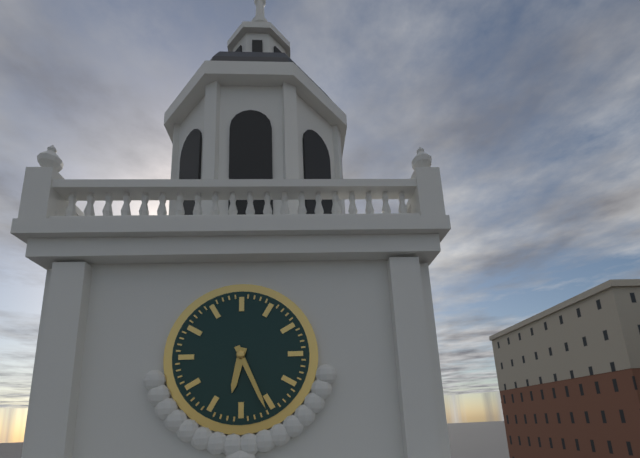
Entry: 6h26
